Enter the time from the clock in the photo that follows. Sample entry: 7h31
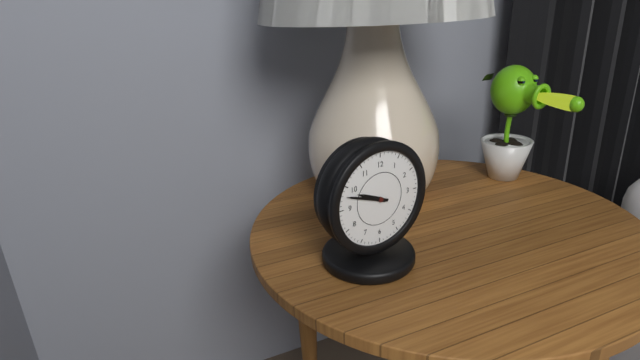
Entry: 9h48
